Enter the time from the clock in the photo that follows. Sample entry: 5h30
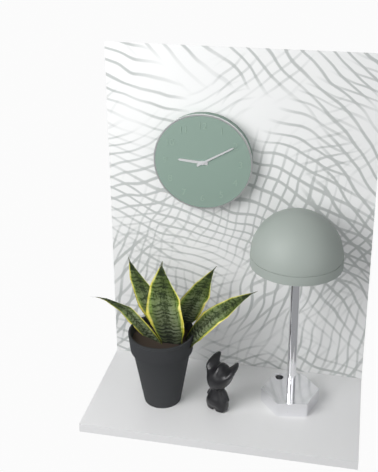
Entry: 9h10
